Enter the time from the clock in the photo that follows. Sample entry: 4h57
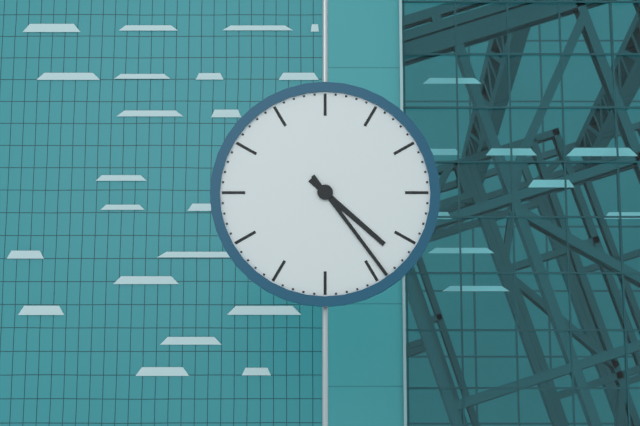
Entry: 4h24
